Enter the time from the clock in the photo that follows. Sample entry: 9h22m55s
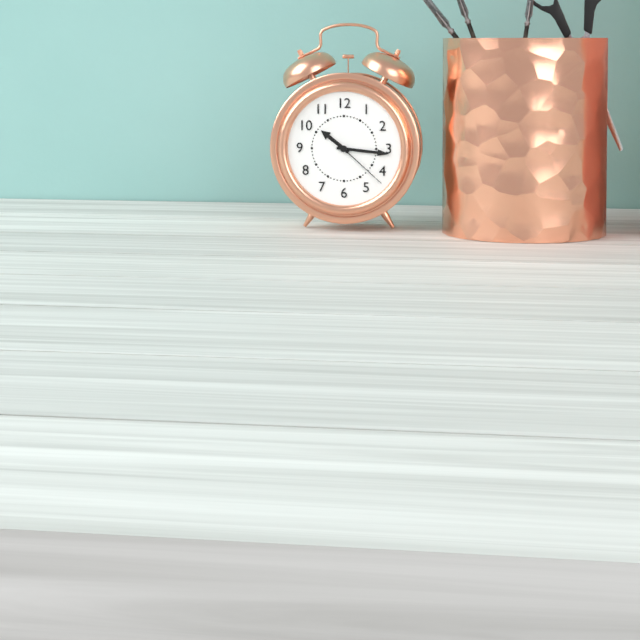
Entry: 10h16m22s
